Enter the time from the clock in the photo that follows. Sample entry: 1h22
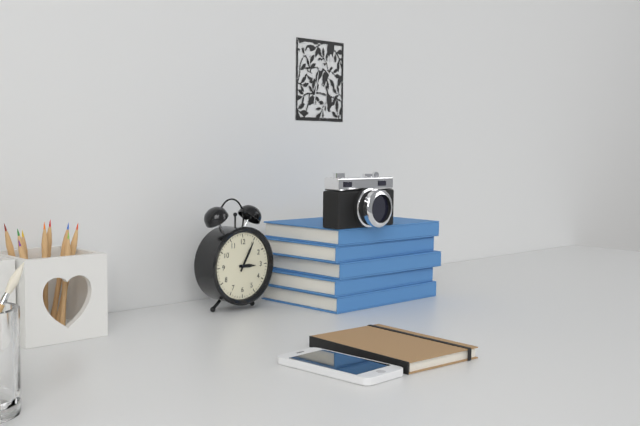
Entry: 3h05
